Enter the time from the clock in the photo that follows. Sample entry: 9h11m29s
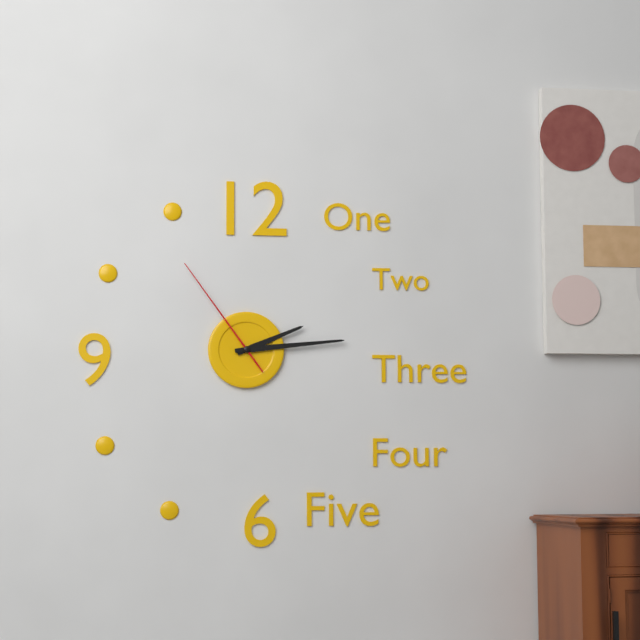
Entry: 2h14m54s
